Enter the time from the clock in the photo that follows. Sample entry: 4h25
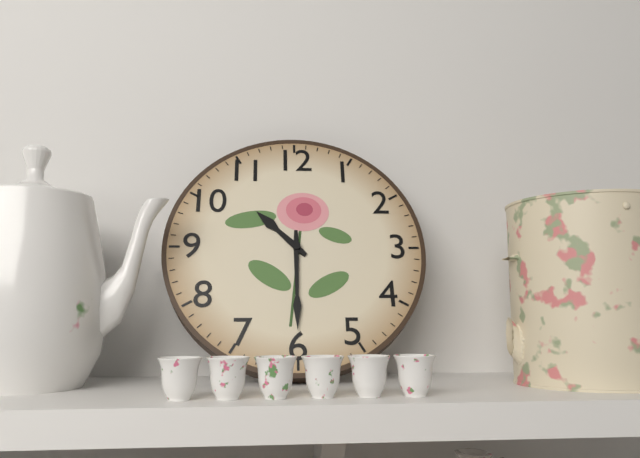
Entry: 10h30
